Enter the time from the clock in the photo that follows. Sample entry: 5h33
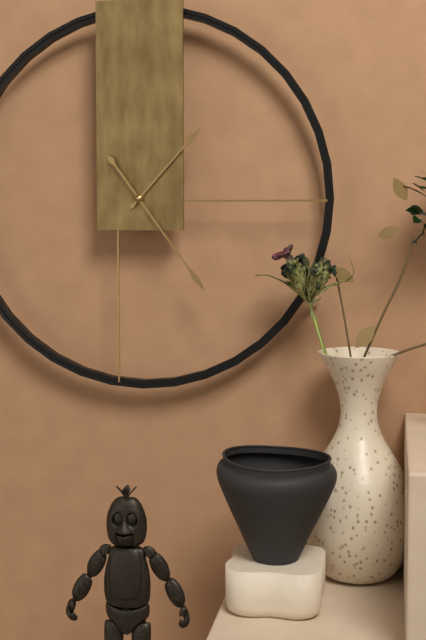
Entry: 1h24
